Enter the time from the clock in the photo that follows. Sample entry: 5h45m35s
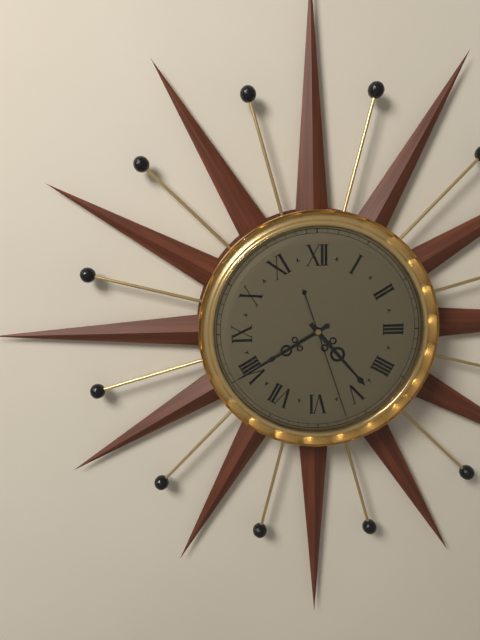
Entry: 4h40m27s
